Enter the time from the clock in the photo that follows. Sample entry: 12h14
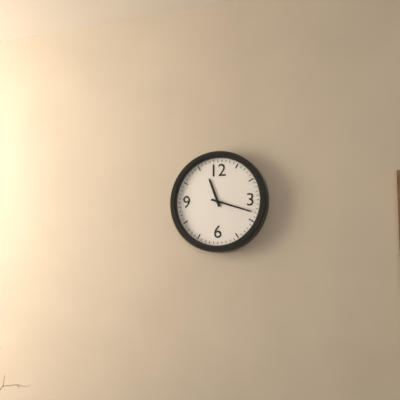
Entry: 11h18
